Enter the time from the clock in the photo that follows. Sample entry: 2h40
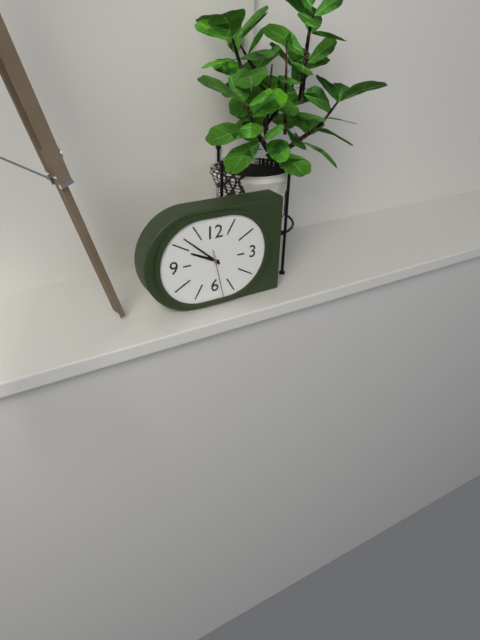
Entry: 9h52
